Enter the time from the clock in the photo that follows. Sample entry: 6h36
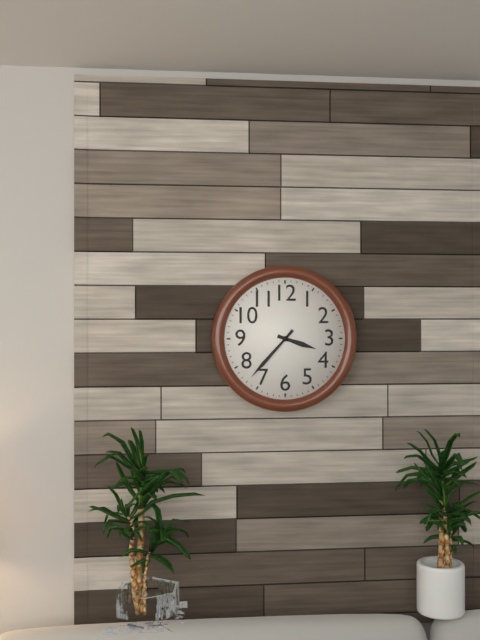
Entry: 3h37
